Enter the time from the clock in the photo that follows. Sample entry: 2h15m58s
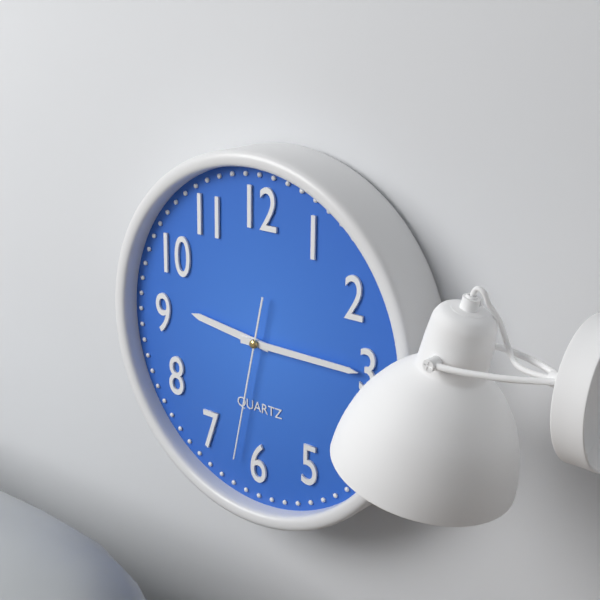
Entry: 9h15m32s
